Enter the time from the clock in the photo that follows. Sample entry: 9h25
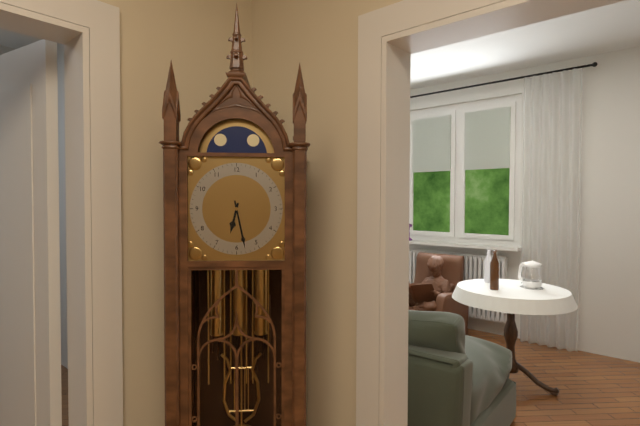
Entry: 6h28
